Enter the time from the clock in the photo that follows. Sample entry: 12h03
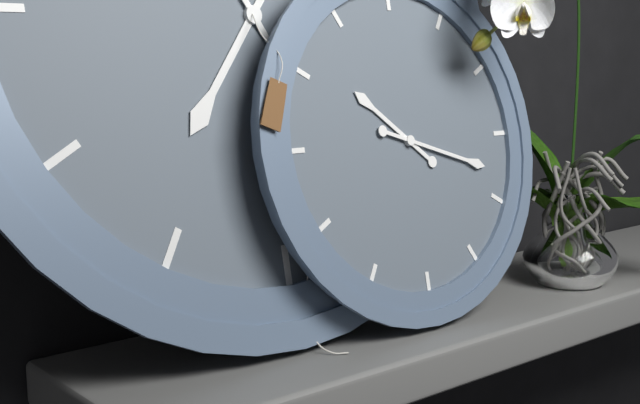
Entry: 10h18
